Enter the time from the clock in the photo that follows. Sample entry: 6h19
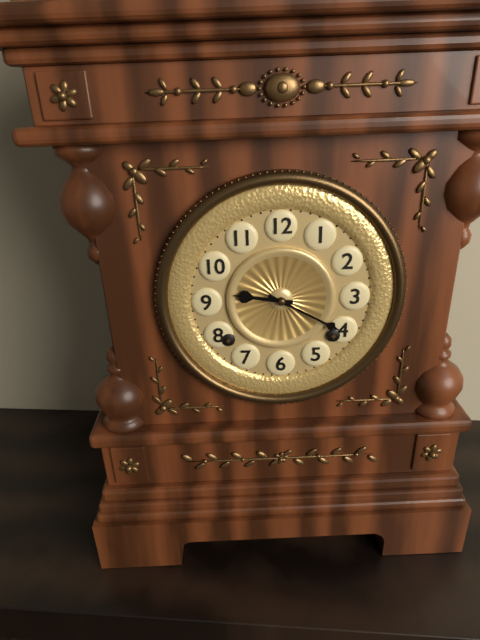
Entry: 9h20
